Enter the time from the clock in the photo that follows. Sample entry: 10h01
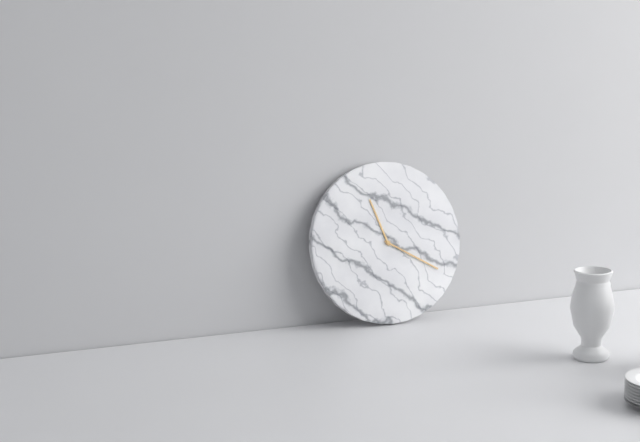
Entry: 11h20
